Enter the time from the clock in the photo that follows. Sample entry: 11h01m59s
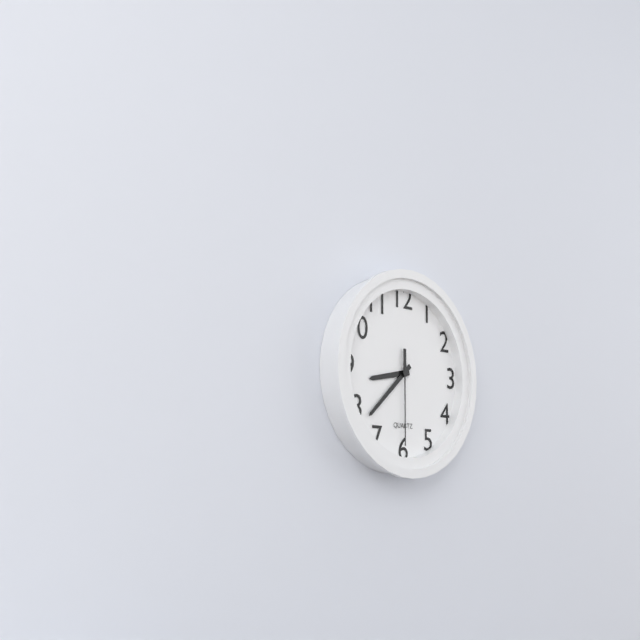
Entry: 8h38m30s
